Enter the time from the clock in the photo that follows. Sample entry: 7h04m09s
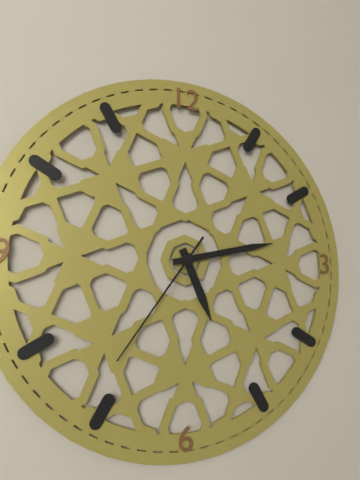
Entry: 5h13m36s
